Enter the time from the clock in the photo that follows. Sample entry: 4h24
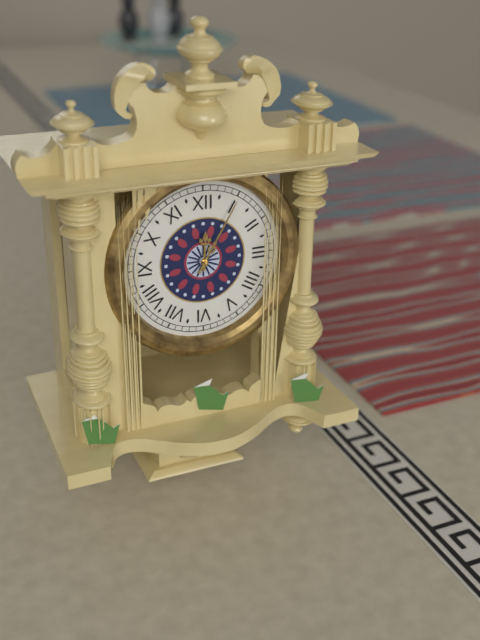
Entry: 12h05
